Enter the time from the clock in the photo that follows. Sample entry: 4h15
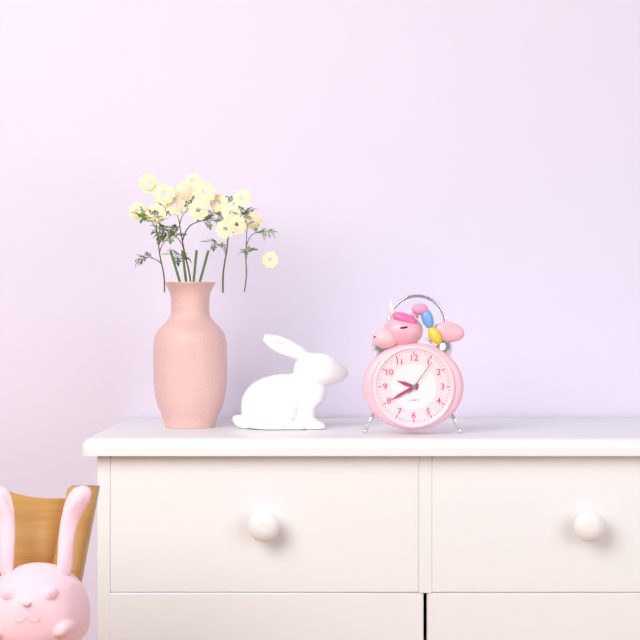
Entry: 9h40
